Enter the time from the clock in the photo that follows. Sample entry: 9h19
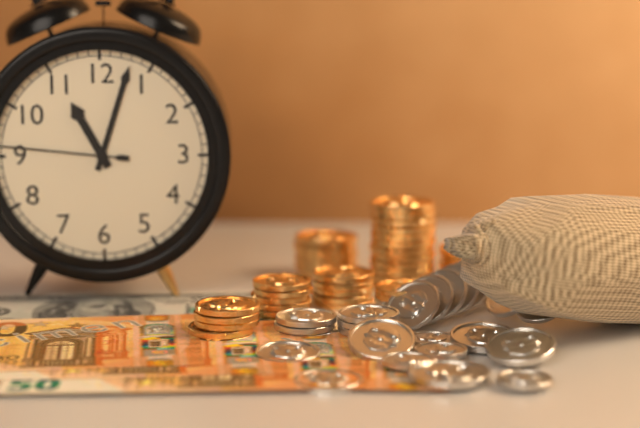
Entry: 11h03
